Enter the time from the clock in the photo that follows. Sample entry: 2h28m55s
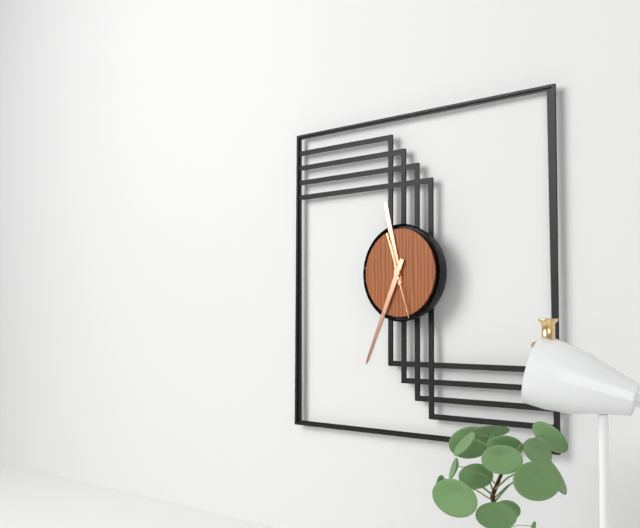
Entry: 11h34m27s
